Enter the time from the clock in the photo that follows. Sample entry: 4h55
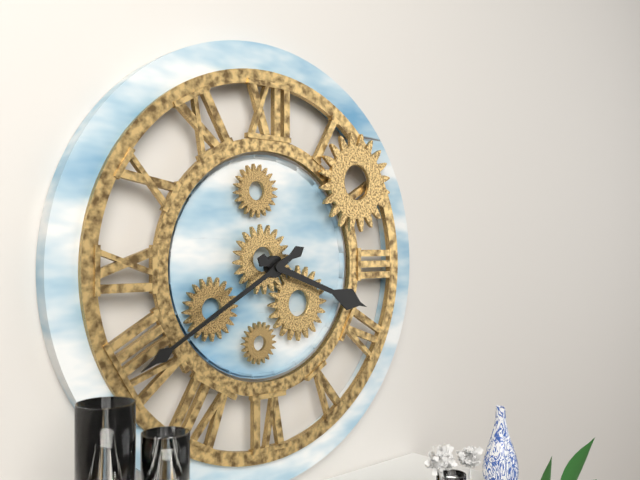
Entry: 3h40
